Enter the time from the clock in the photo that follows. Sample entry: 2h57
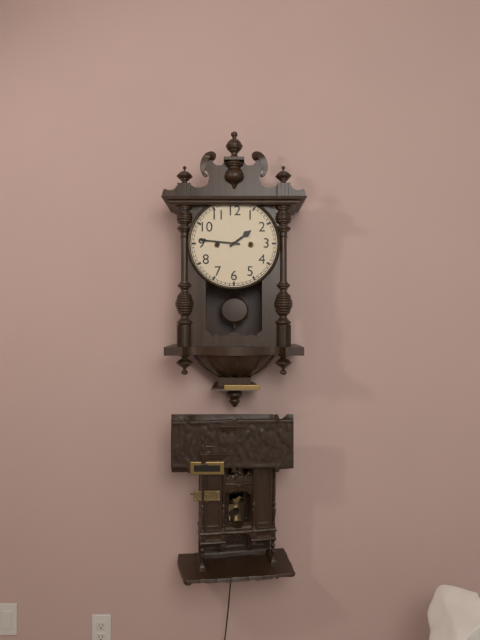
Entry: 1h46
